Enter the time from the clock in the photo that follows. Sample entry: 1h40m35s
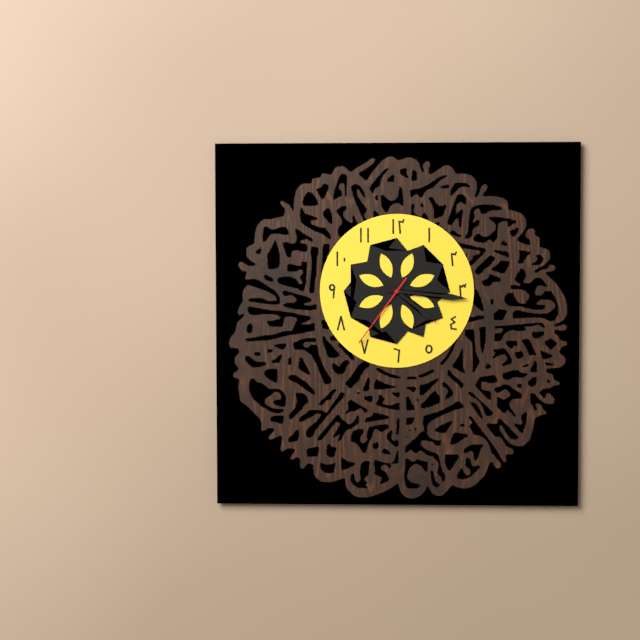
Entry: 4h16m36s
